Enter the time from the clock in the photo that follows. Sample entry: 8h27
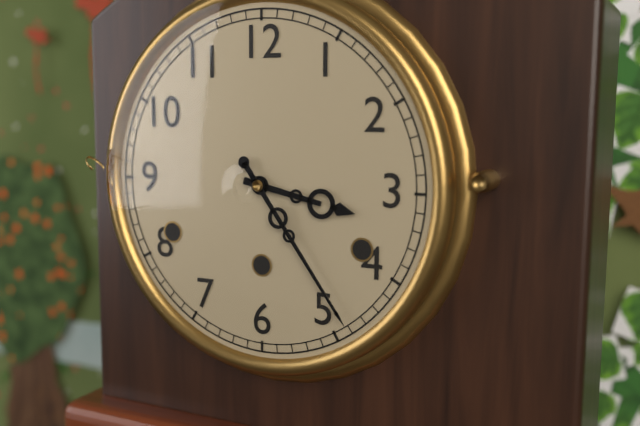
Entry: 3h24
